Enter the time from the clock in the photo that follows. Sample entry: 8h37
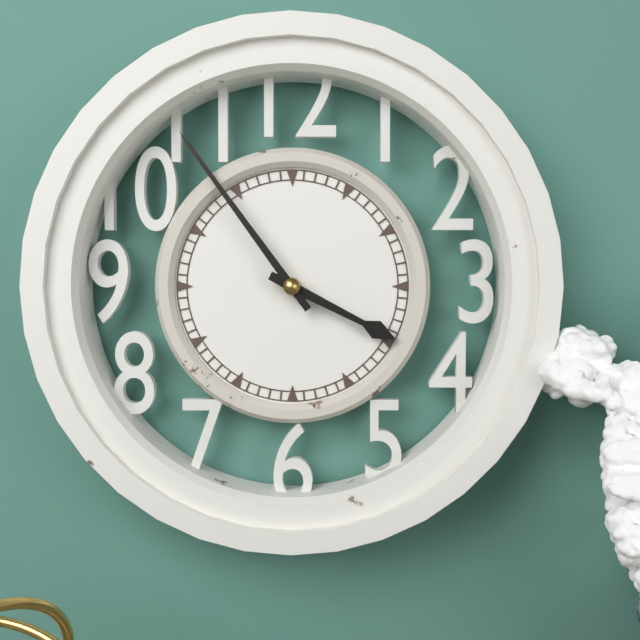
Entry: 3h54
